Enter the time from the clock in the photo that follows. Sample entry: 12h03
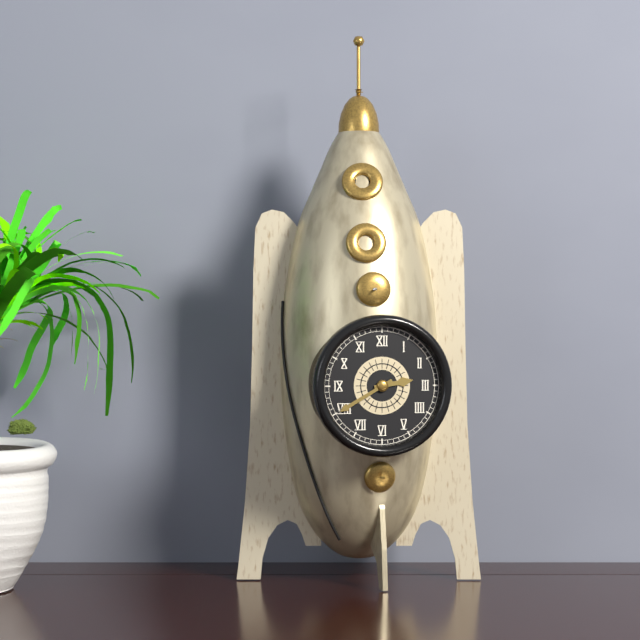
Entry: 2h40
